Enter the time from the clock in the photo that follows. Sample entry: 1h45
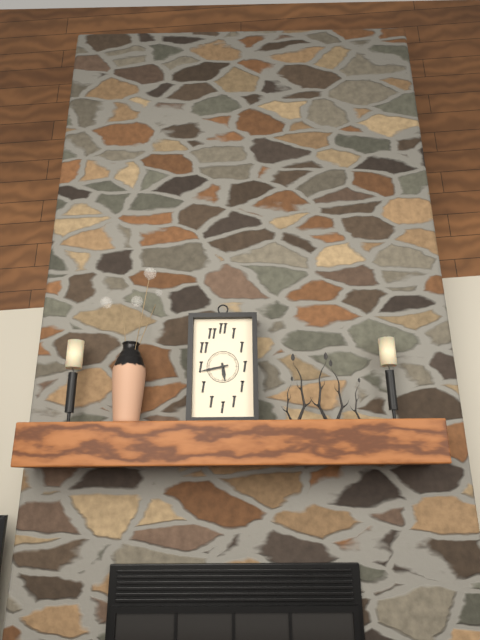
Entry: 5h43
